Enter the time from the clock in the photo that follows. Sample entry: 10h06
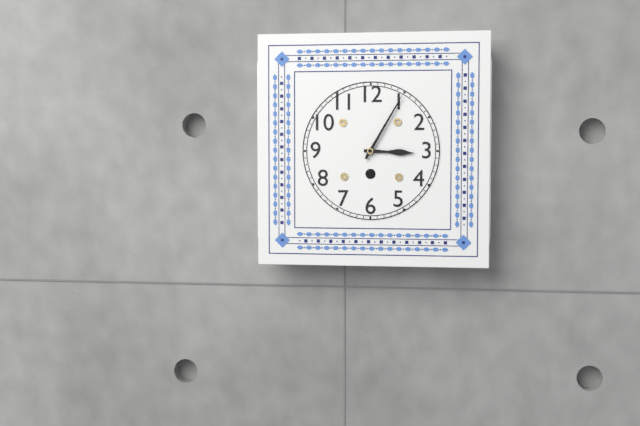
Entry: 3h05
